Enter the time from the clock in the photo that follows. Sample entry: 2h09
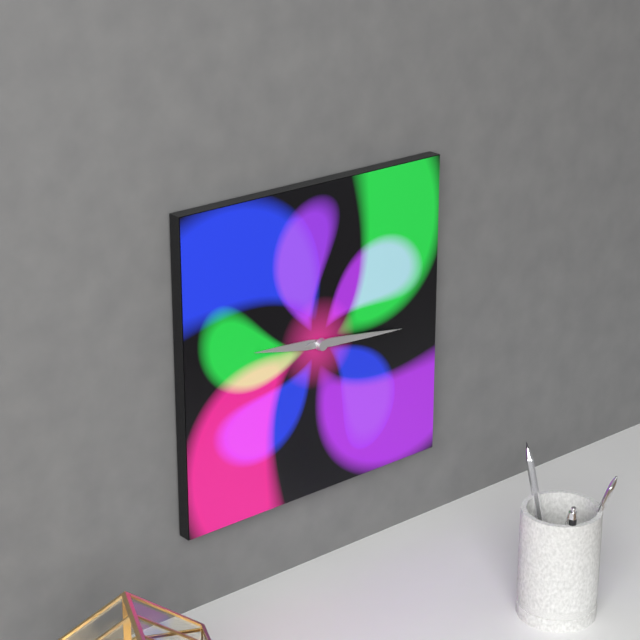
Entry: 9h16
